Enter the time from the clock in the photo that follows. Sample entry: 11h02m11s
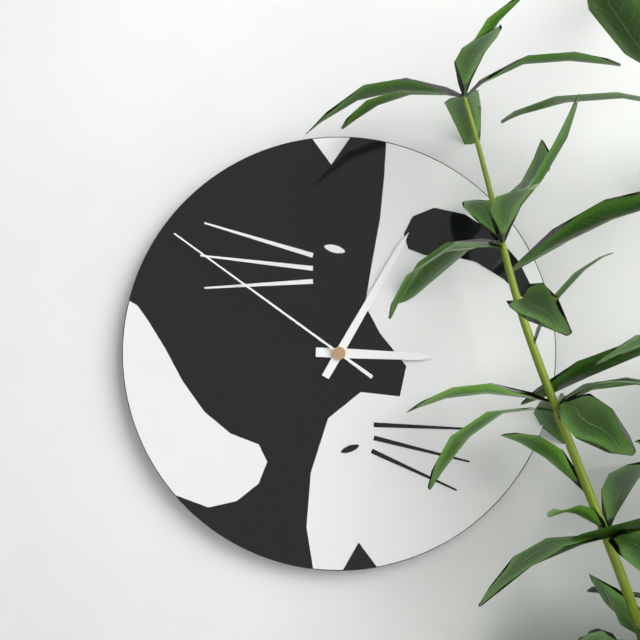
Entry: 3h05m51s
